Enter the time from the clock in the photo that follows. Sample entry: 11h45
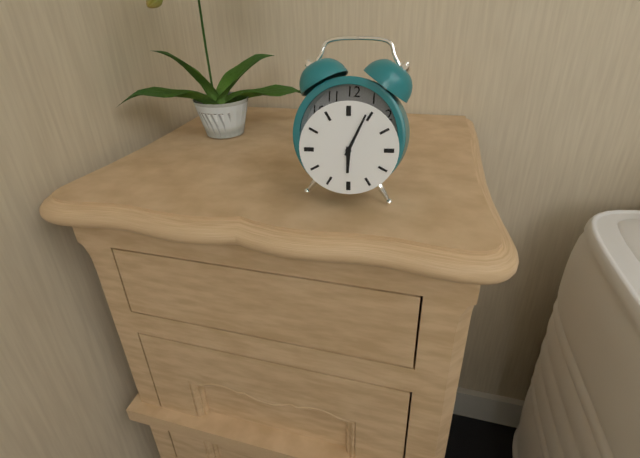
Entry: 6h04
